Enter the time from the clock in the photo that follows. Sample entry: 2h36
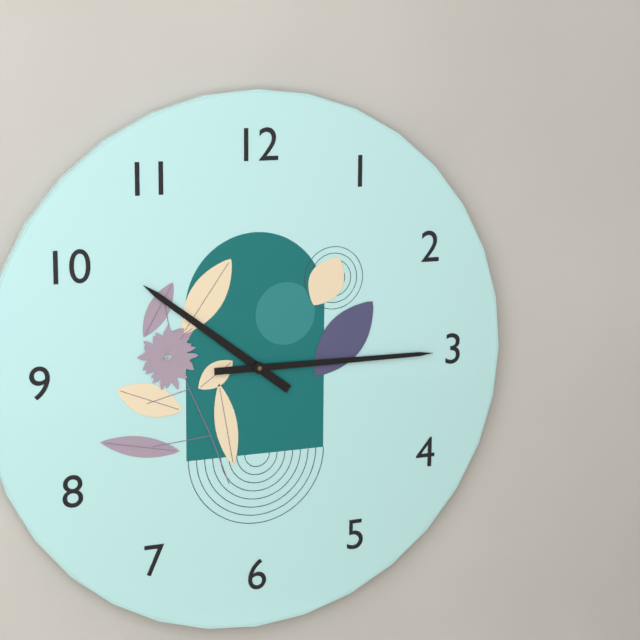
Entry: 10h15
